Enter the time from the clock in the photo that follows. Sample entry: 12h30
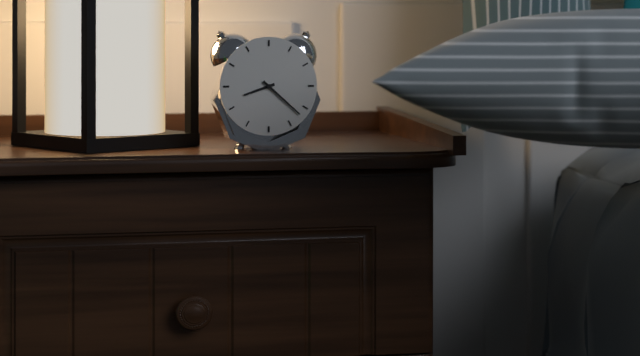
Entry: 8h22
